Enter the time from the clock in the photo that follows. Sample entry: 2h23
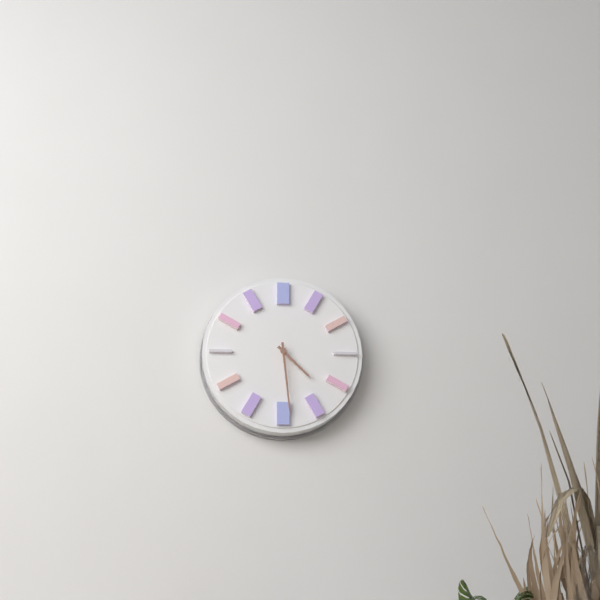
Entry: 4h29
